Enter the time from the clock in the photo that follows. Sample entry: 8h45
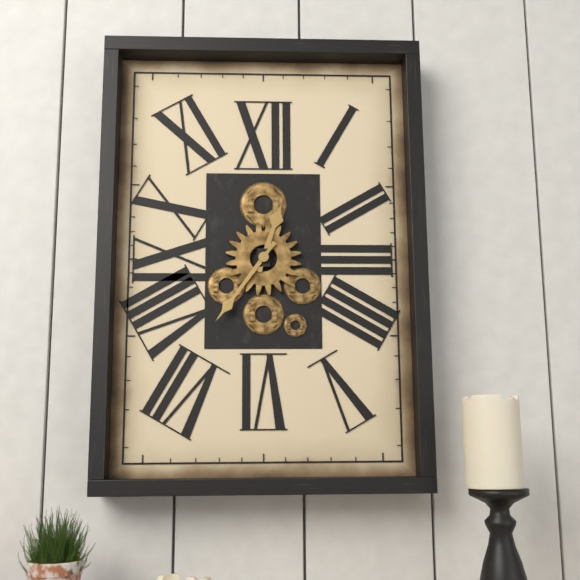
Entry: 12h36
